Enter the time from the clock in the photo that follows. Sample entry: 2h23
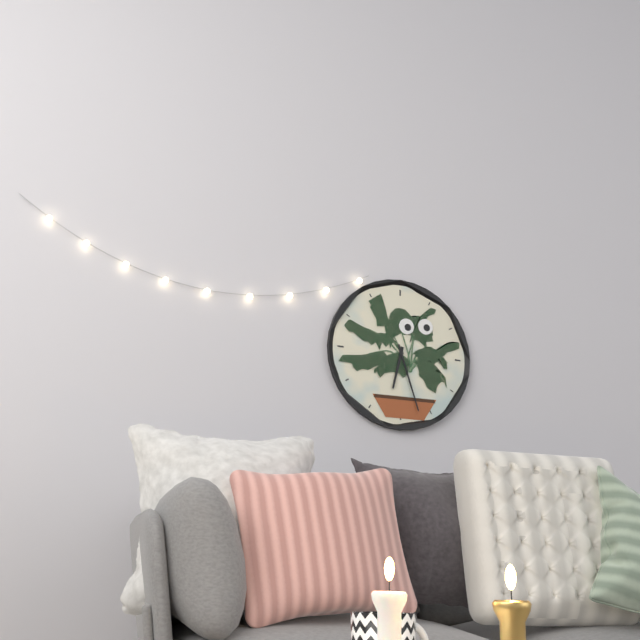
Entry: 6h27
